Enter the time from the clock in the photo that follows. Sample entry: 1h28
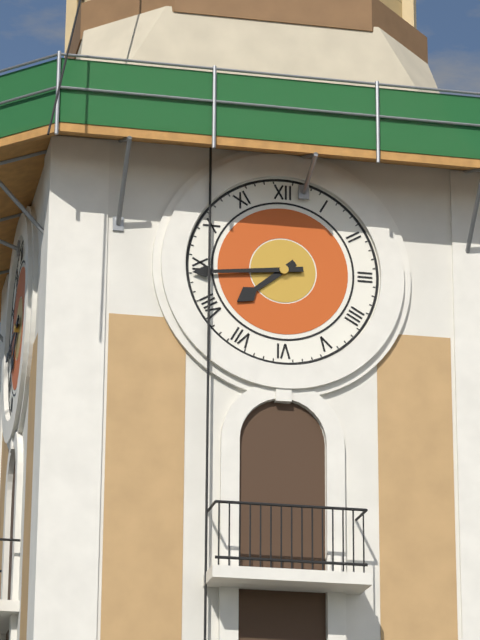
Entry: 7h44
